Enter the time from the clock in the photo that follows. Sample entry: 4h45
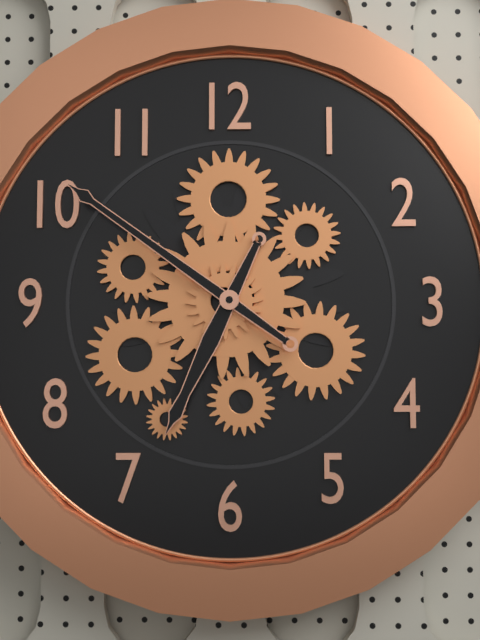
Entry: 6h51
